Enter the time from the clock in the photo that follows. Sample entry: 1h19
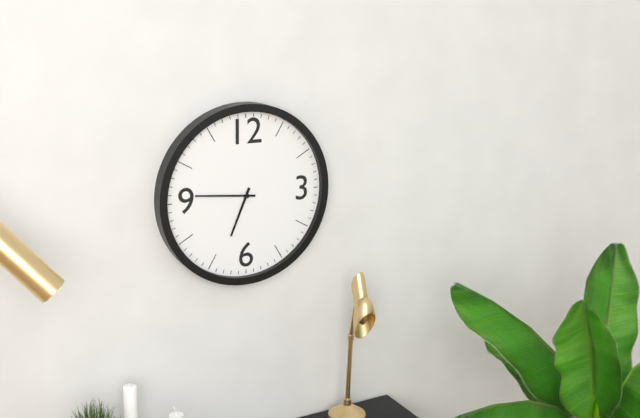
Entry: 6h46
